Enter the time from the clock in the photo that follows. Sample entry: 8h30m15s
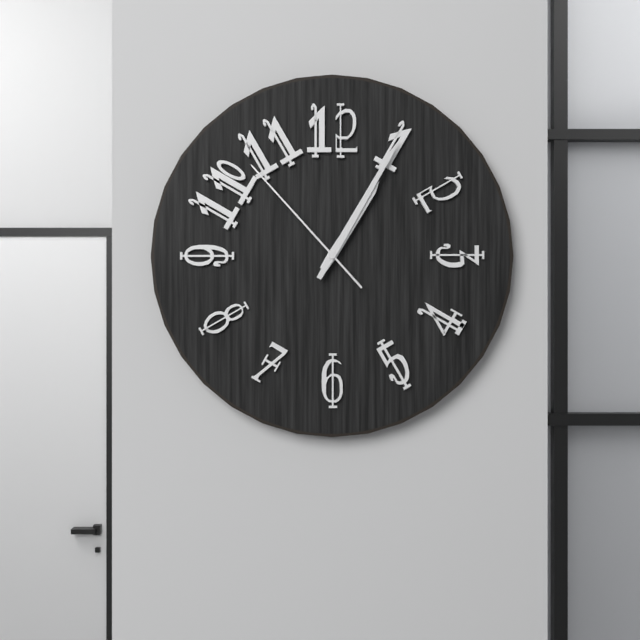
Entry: 1h05m53s
